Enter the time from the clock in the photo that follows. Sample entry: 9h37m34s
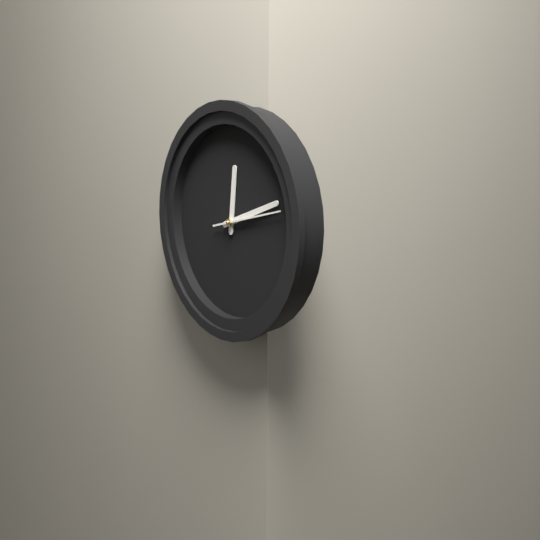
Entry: 12h12m13s
